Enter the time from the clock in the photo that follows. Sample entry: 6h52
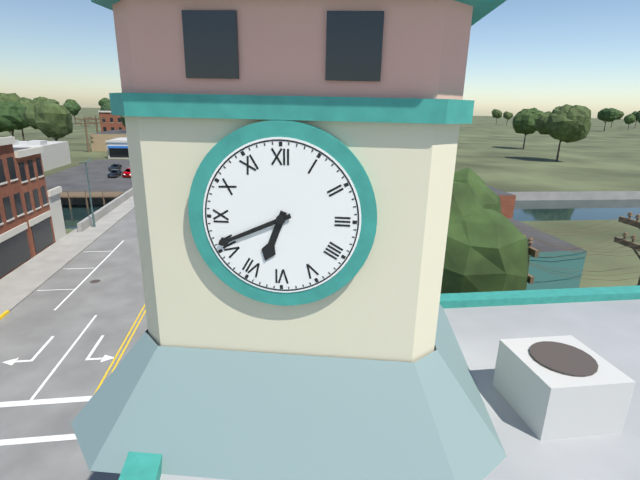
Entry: 6h41
